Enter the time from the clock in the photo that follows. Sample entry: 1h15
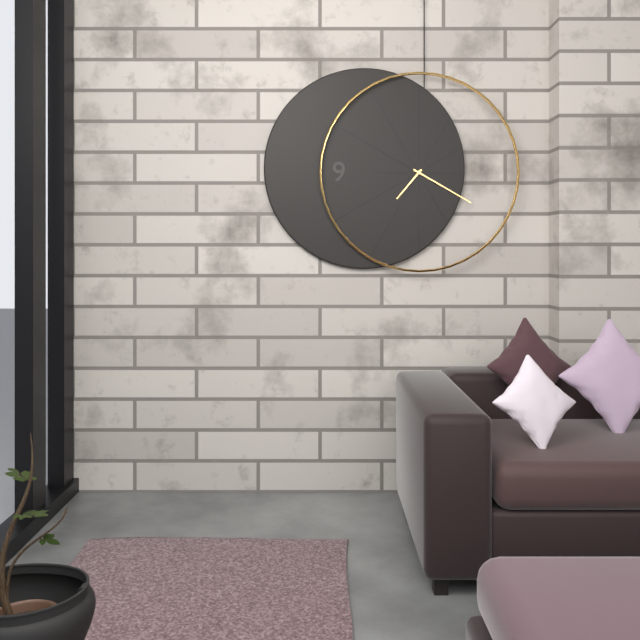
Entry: 7h20
